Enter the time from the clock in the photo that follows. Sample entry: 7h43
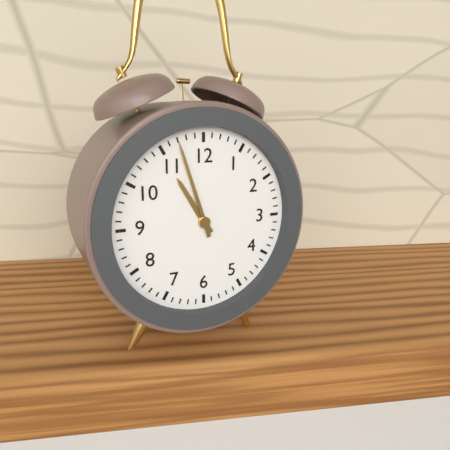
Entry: 10h57
